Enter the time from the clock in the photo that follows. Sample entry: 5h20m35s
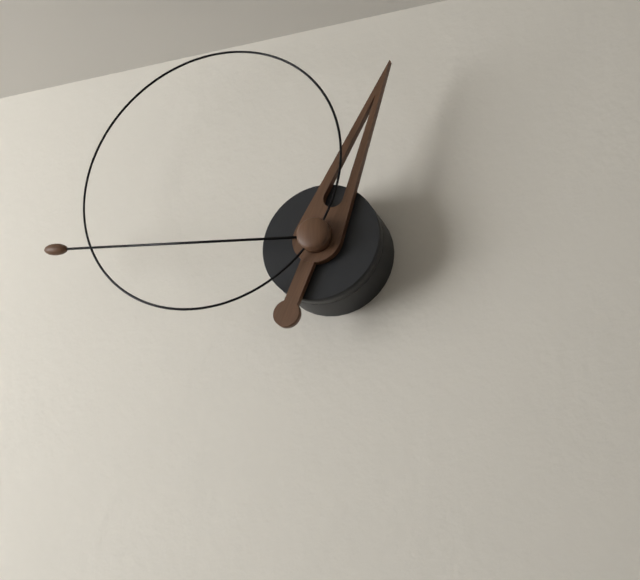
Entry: 12h46m51s
